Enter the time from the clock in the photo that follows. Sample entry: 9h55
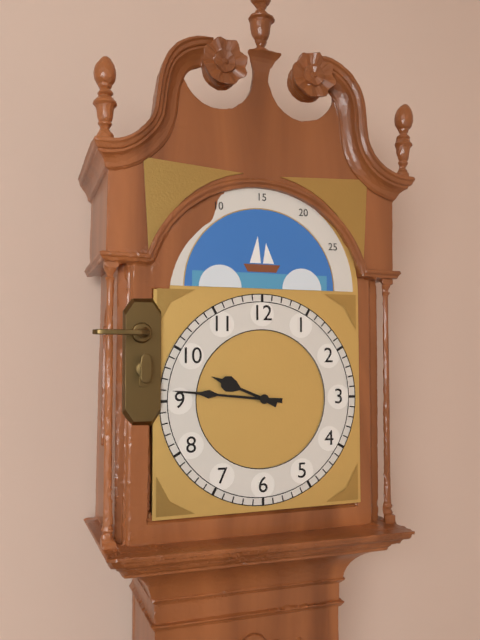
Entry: 9h46
